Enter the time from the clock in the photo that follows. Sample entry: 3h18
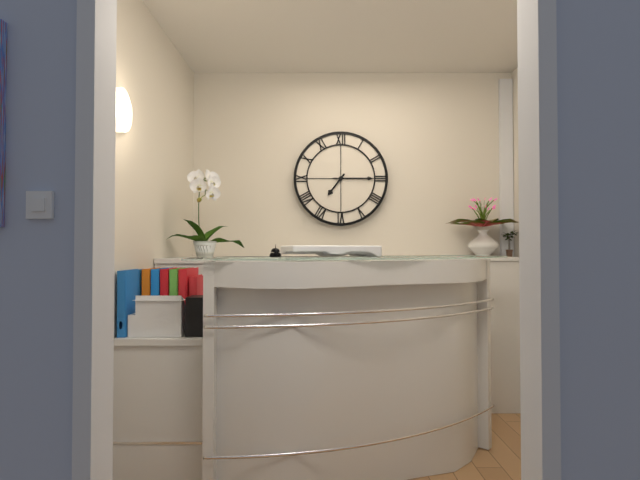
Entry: 7h15
